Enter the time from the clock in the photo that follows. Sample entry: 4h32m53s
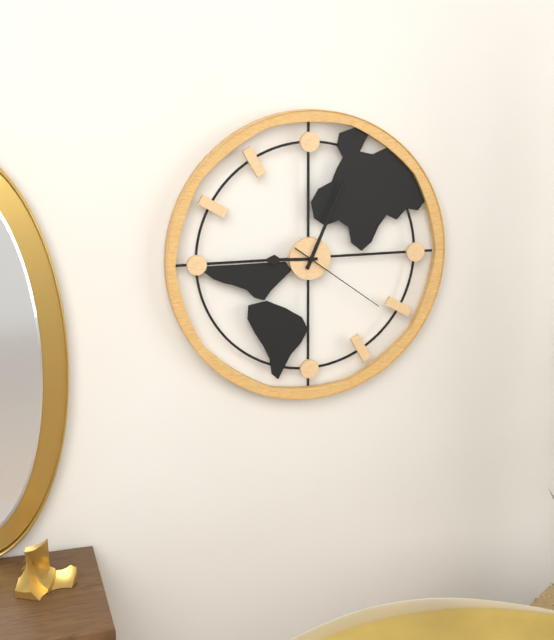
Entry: 9h04m21s
